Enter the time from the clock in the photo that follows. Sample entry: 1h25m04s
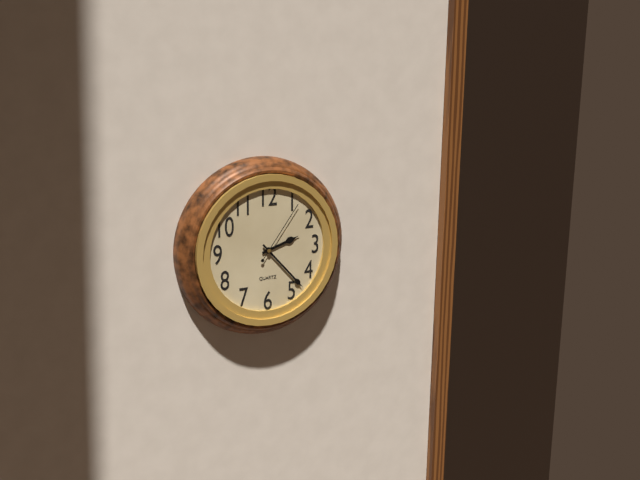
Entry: 2h23m06s
